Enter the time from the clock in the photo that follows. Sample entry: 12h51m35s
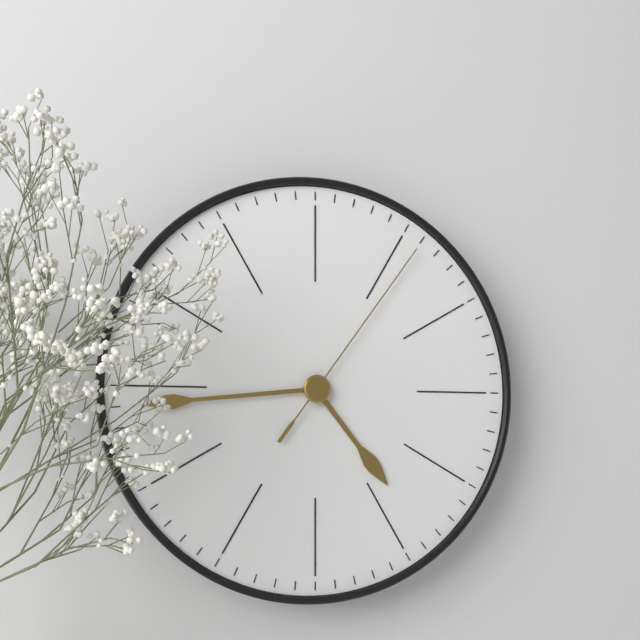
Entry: 4h44m06s
